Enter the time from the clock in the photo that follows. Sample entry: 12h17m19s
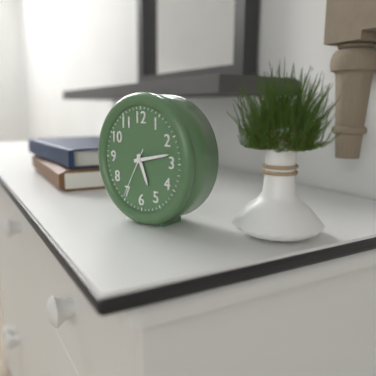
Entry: 5h13m35s
